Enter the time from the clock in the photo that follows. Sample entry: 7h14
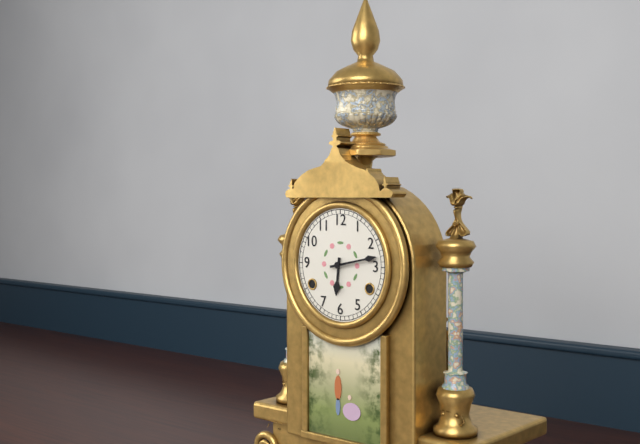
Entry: 6h13
